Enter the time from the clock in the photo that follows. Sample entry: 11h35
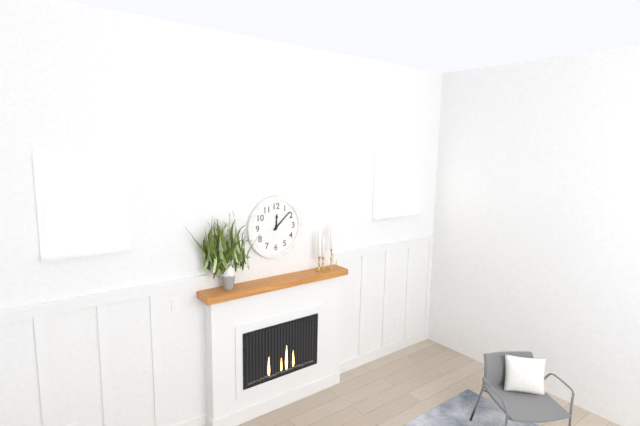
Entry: 12h08
